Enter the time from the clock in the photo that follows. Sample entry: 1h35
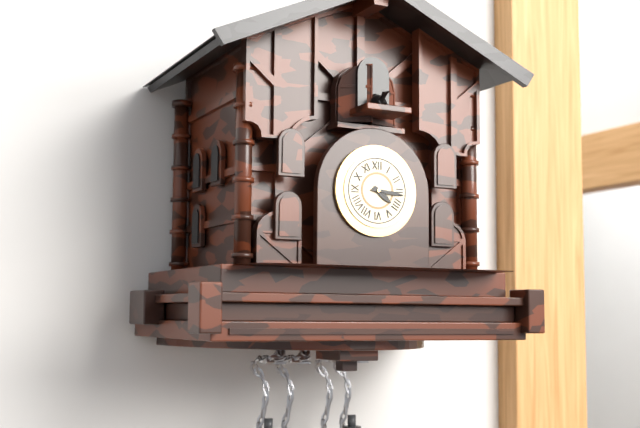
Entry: 4h16
